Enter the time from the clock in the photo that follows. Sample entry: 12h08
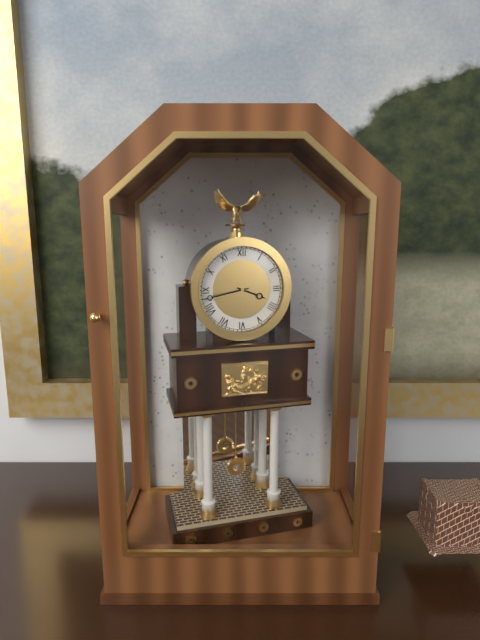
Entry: 3h43
